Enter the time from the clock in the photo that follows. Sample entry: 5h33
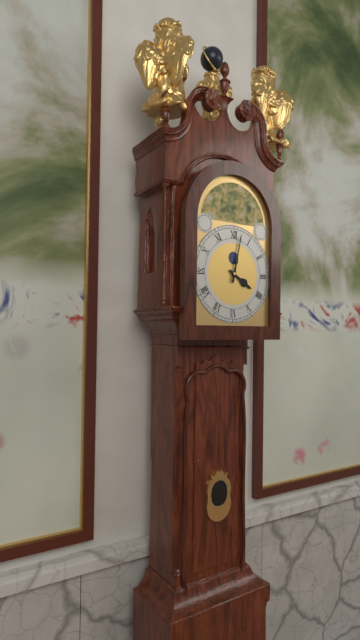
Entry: 4h02
